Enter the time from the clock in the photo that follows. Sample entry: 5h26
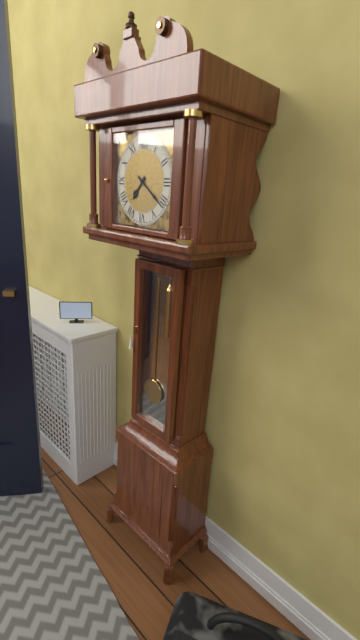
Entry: 7h21
